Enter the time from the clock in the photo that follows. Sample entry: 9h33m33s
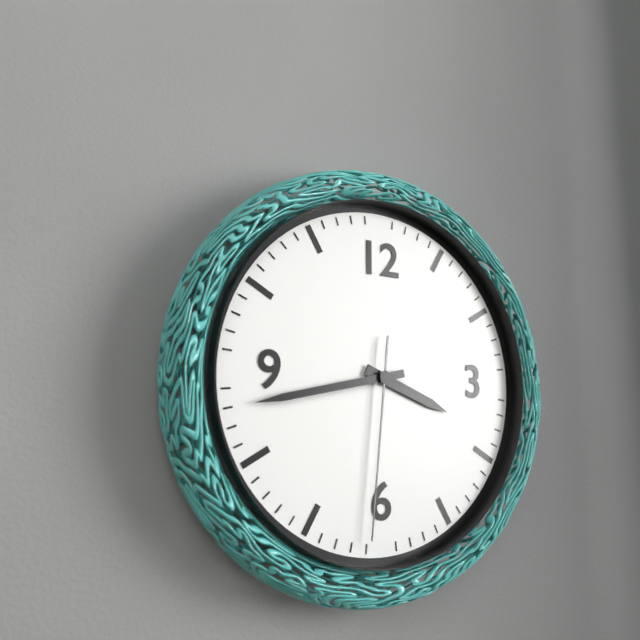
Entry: 3h43m31s
